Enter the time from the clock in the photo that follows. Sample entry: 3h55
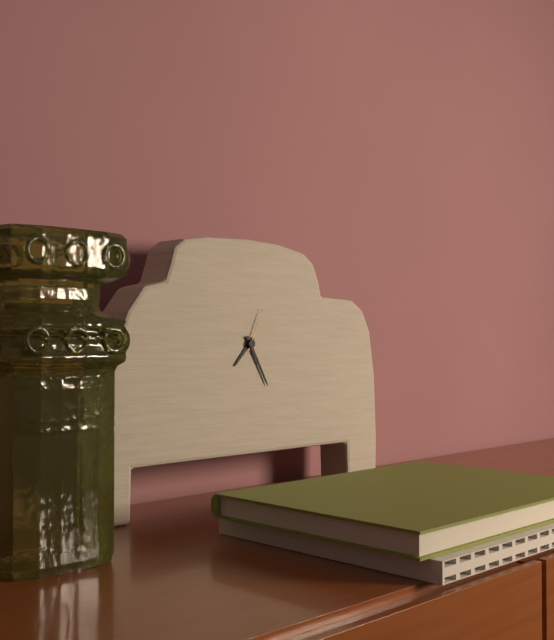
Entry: 7h25
